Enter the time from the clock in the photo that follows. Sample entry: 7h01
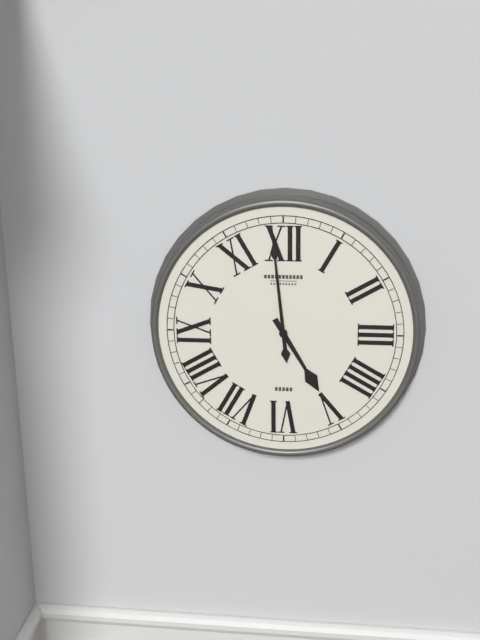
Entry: 4h59
